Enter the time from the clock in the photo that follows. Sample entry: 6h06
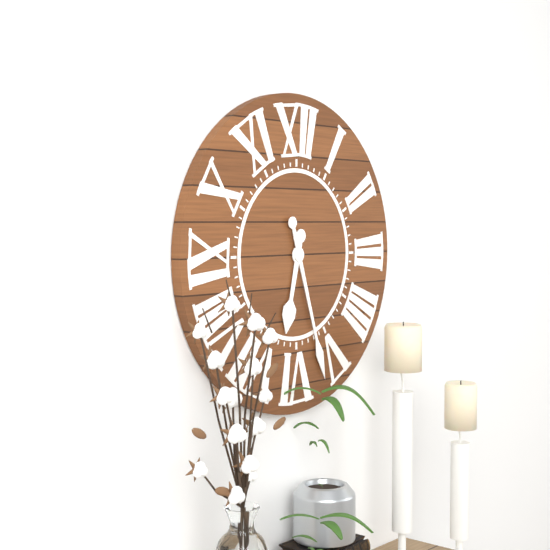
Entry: 6h27
